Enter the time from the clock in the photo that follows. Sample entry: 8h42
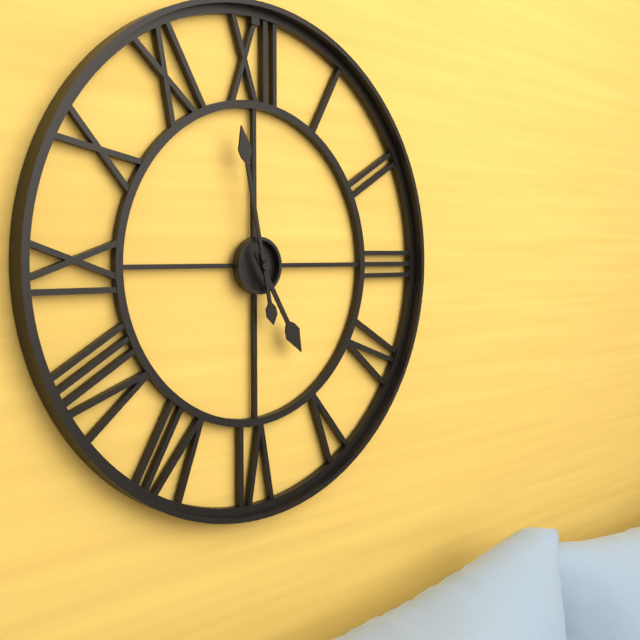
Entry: 4h58
